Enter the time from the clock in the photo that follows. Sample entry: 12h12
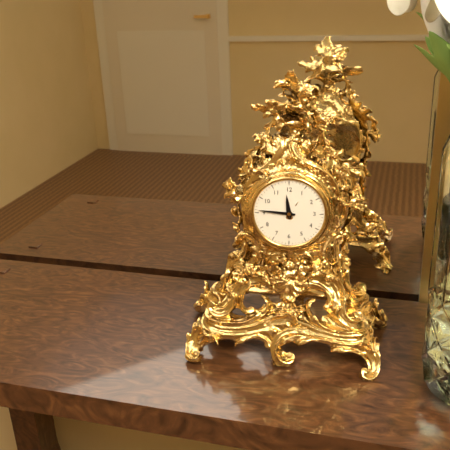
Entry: 11h46
